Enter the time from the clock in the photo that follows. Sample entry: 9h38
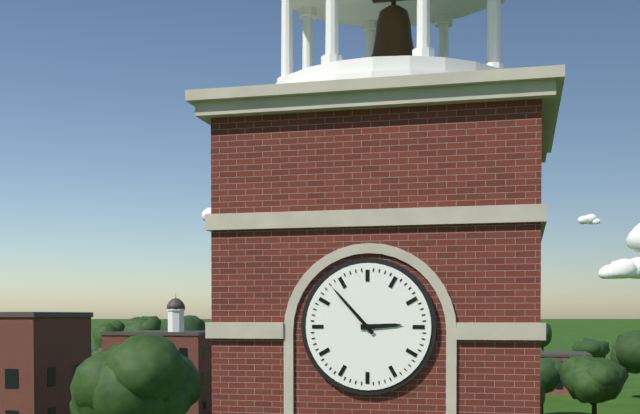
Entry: 2h53
